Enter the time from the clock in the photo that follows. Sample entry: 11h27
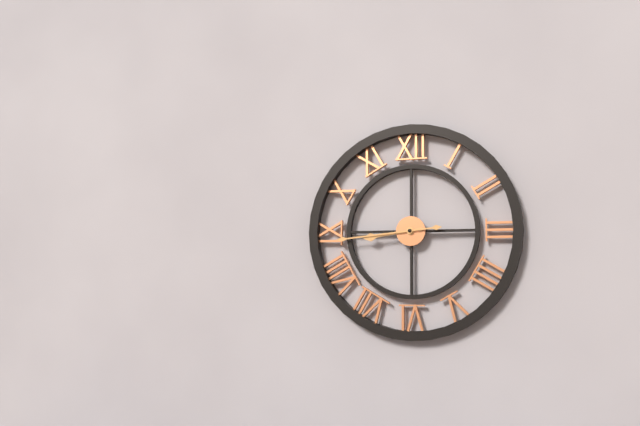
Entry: 8h44
